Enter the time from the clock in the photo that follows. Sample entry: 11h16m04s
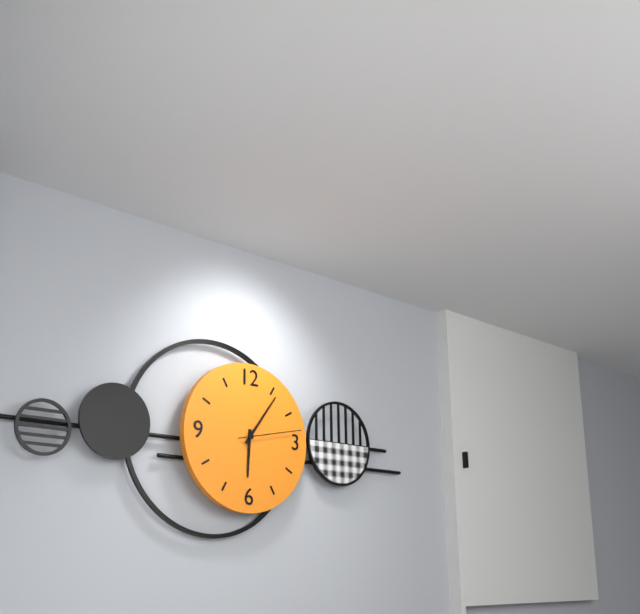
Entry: 6h06m13s
